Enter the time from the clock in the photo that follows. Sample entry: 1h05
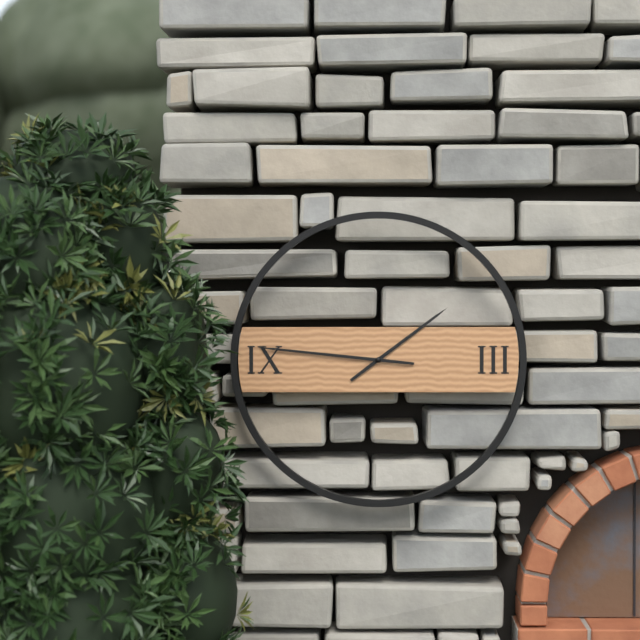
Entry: 1h46
